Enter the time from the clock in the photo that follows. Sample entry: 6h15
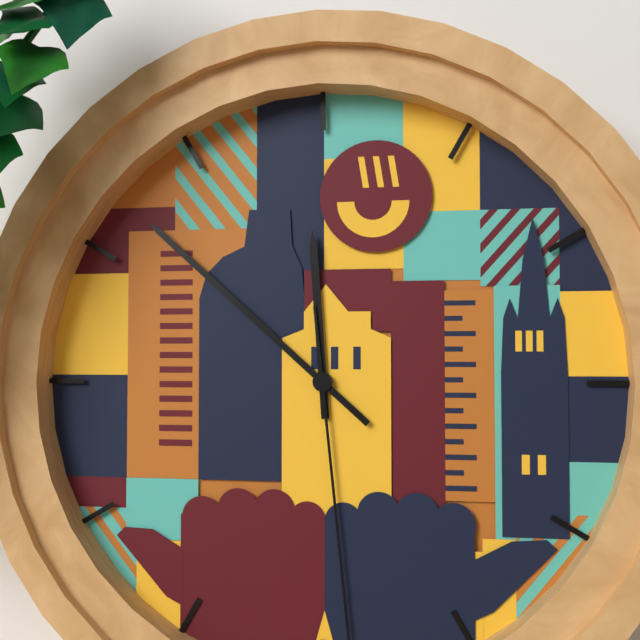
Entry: 11h52
